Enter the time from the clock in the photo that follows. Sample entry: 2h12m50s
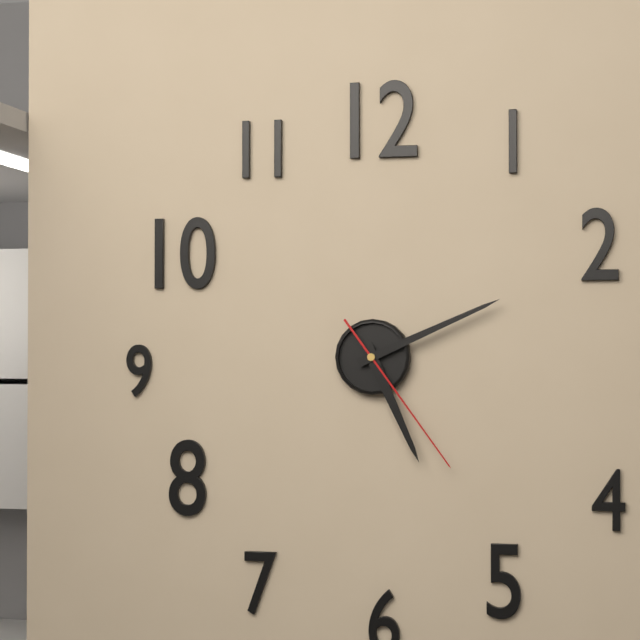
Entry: 5h11m24s
